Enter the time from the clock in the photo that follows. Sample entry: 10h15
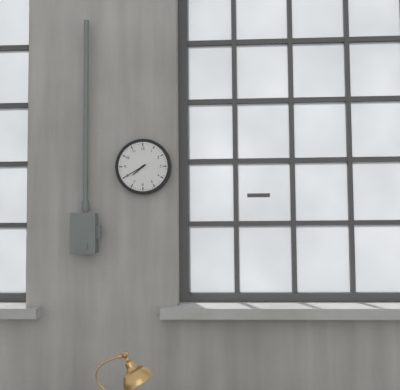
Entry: 7h40
